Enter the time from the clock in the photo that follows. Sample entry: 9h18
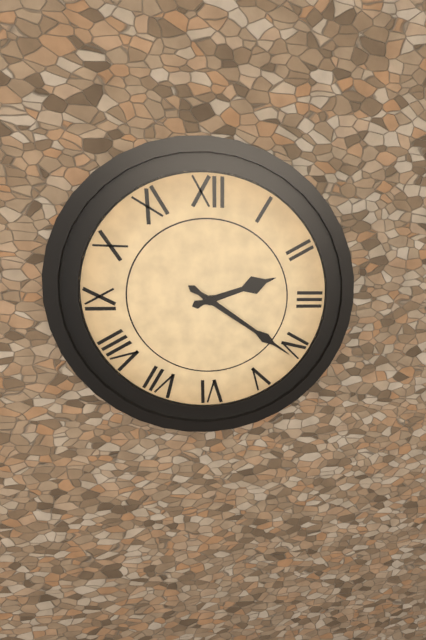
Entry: 2h21
